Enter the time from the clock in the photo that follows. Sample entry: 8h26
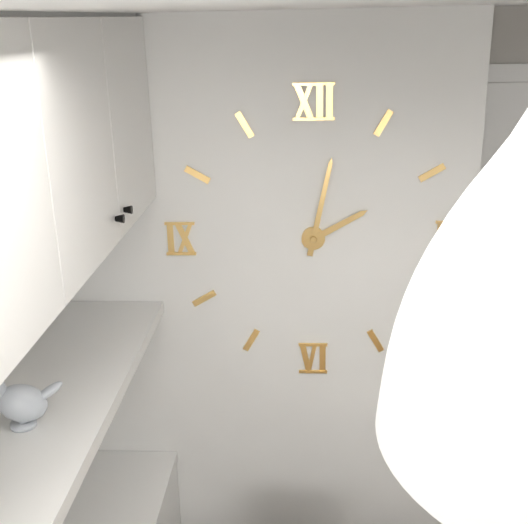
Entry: 2h02
